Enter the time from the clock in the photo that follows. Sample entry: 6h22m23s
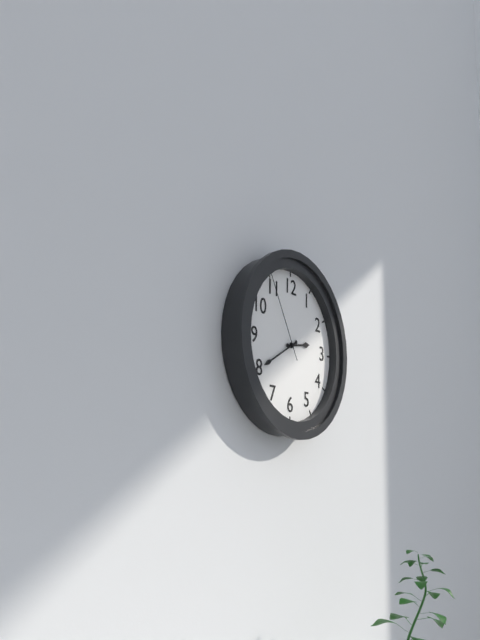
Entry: 2h40m55s
